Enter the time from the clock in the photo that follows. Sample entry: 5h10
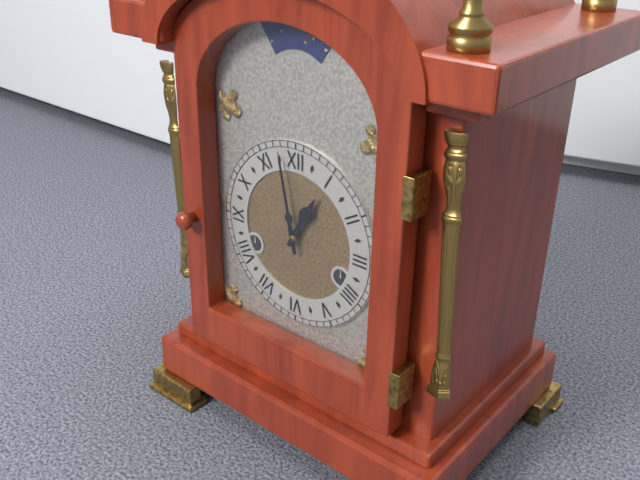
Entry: 12h58
